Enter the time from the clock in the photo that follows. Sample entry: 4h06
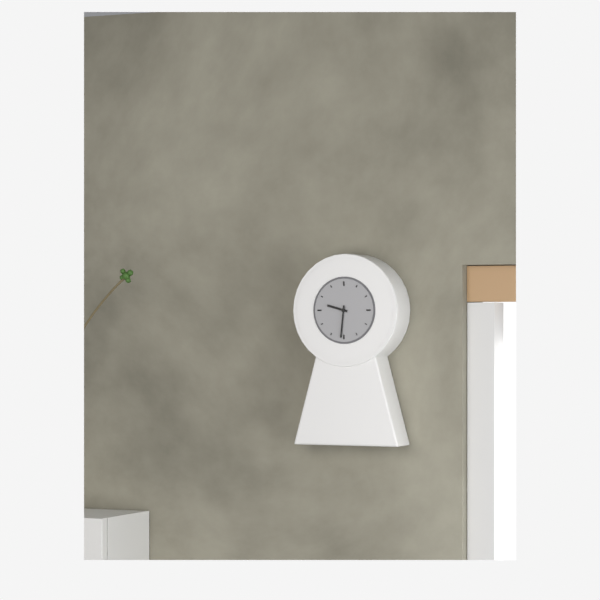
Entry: 9h31
